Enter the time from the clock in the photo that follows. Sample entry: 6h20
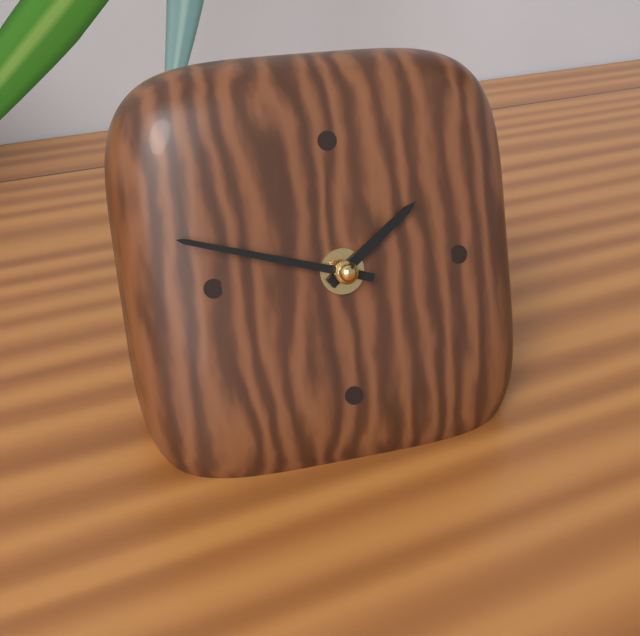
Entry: 1h48
